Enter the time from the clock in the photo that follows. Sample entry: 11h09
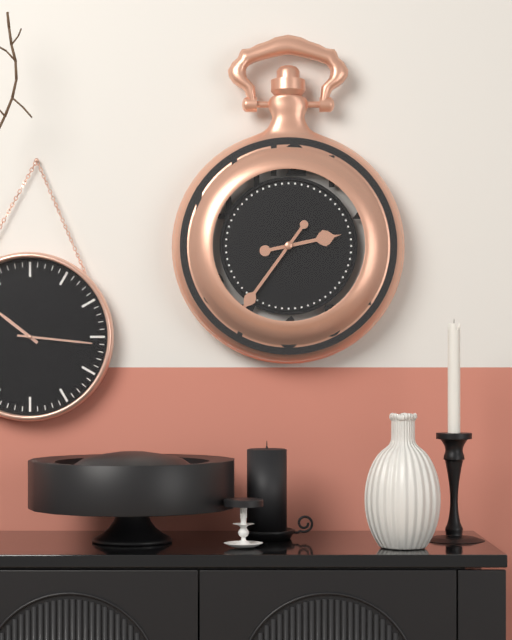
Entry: 2h36
